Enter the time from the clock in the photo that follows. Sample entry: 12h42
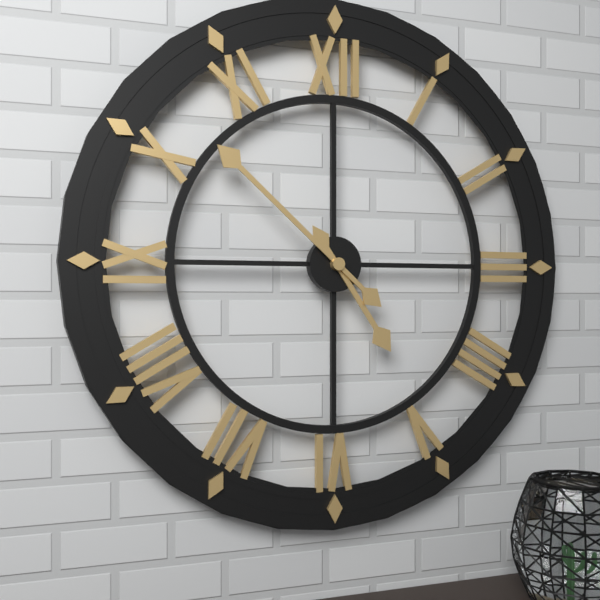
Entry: 4h52
